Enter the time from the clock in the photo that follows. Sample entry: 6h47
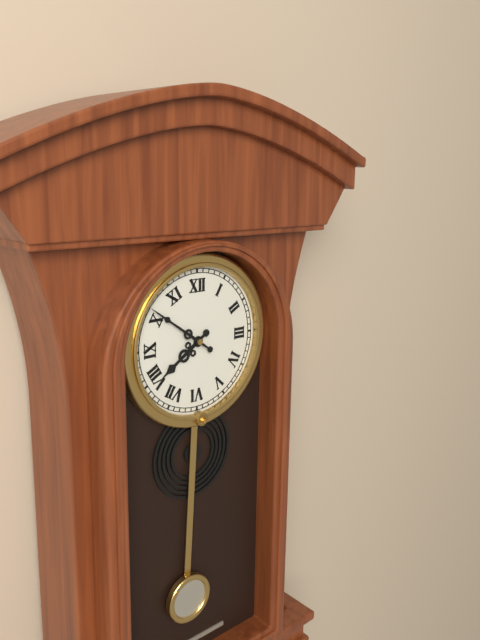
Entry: 7h51
